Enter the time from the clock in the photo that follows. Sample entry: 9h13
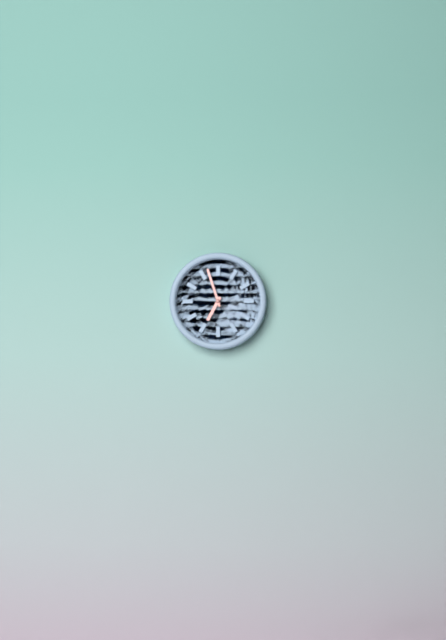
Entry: 6h57
